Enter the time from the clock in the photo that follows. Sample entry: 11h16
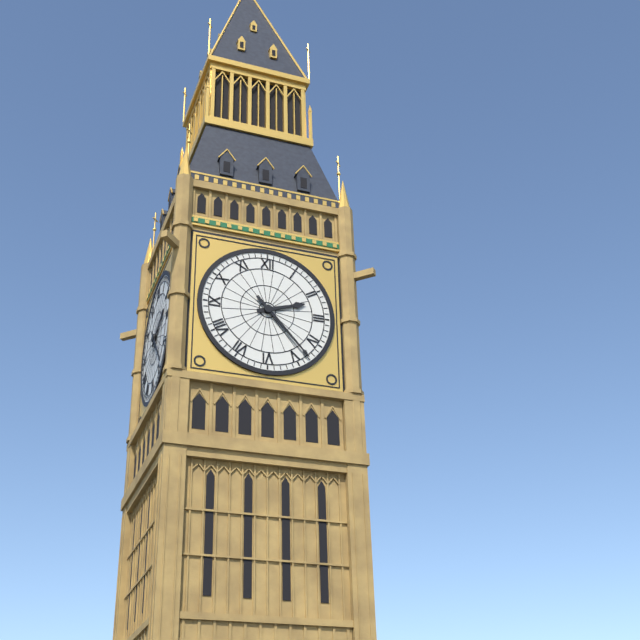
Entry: 2h23
